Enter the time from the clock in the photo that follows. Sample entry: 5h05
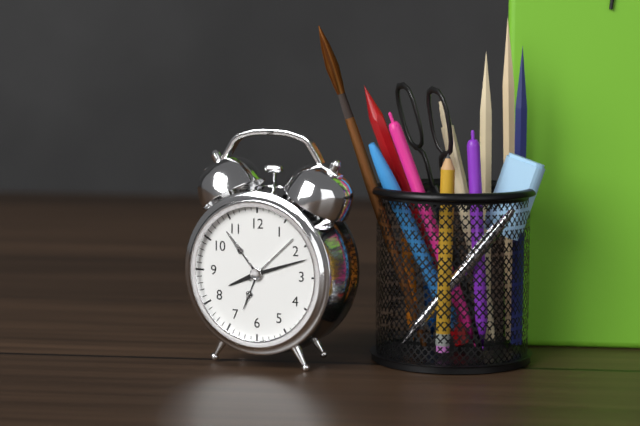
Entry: 8h12
